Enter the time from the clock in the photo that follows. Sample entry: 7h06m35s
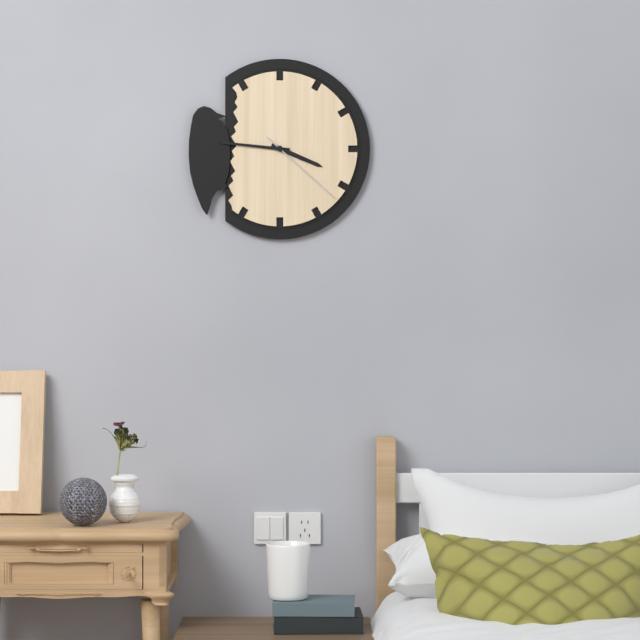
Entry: 3h46m22s
